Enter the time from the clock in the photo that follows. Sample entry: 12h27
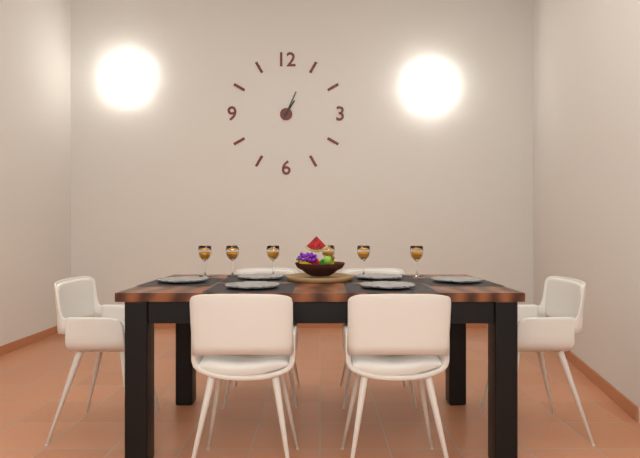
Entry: 1h04
